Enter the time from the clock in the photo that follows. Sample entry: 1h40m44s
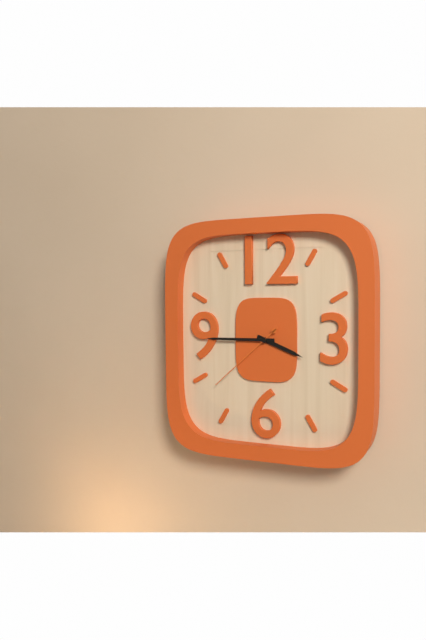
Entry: 3h45m38s
